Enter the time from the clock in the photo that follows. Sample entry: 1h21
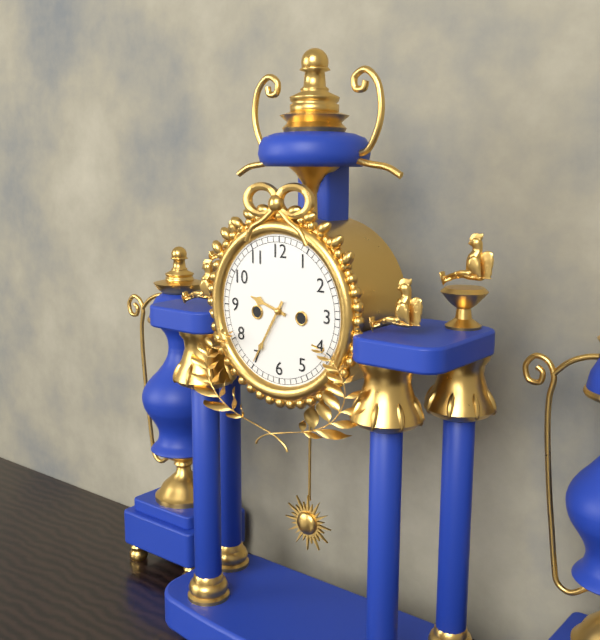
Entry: 9h35
